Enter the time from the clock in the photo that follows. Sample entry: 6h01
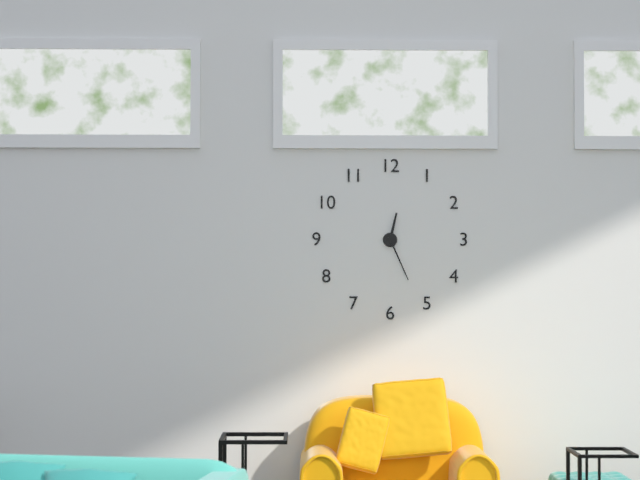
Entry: 12h26
